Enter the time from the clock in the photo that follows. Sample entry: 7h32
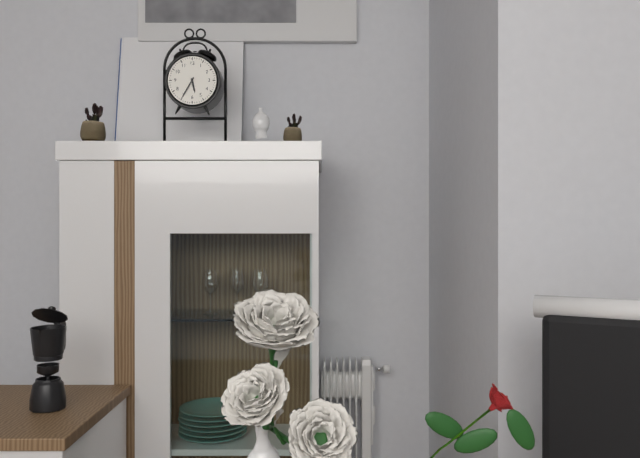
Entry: 5h35
